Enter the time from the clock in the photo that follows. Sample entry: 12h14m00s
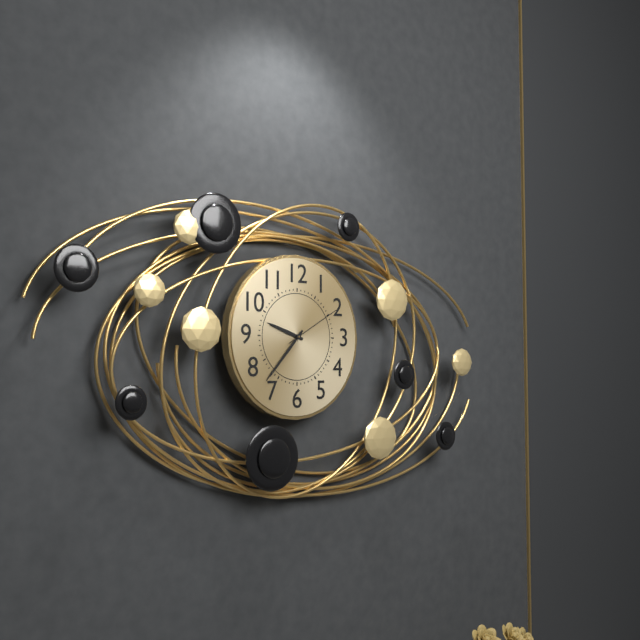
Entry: 9h37m10s
